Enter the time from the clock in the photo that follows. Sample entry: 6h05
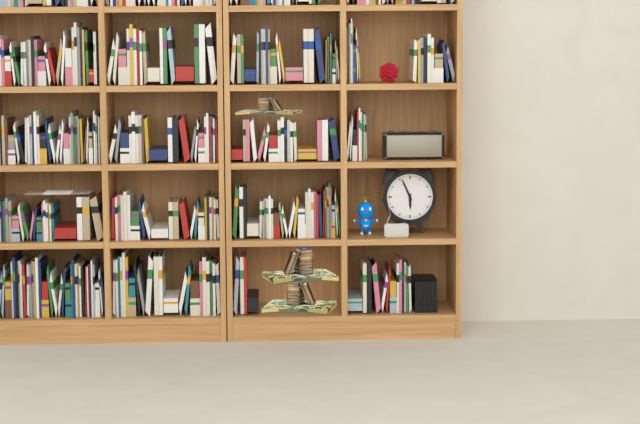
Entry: 5h56
